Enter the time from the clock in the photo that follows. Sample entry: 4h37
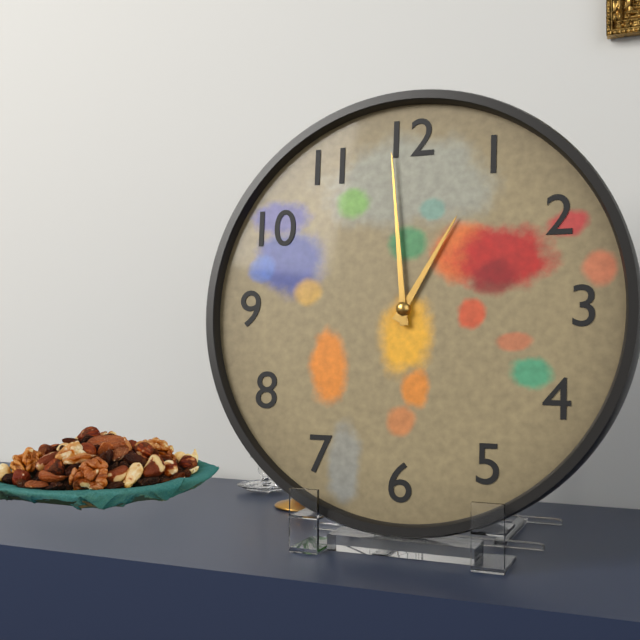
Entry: 12h59
